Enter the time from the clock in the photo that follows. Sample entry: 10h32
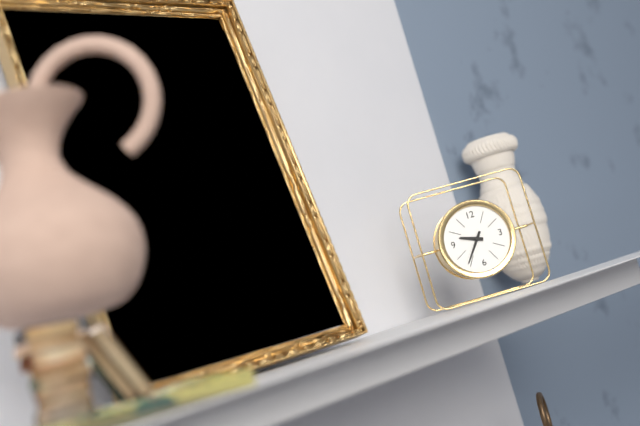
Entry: 9h36
